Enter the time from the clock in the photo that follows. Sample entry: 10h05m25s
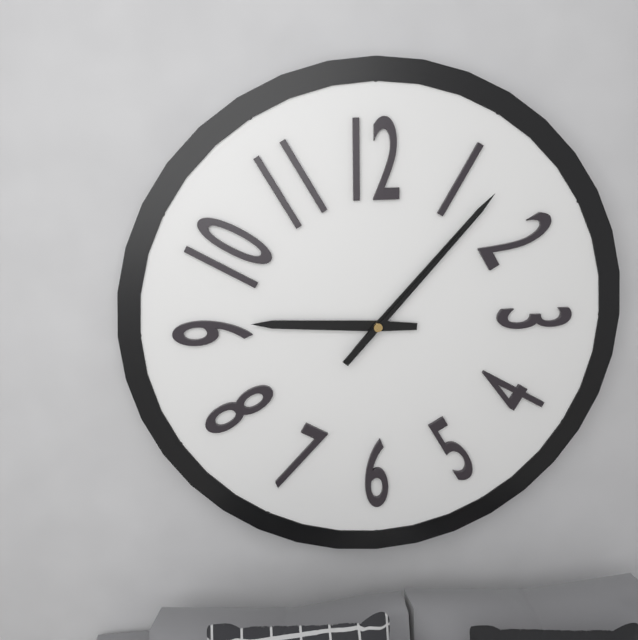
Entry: 9h07m07s
